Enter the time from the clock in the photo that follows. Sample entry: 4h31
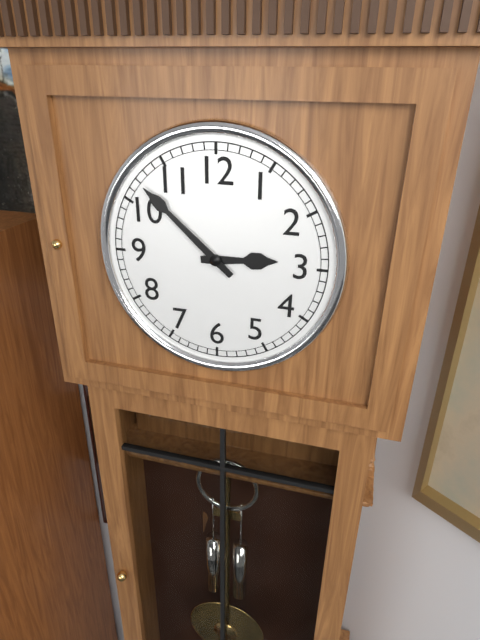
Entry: 2h52
